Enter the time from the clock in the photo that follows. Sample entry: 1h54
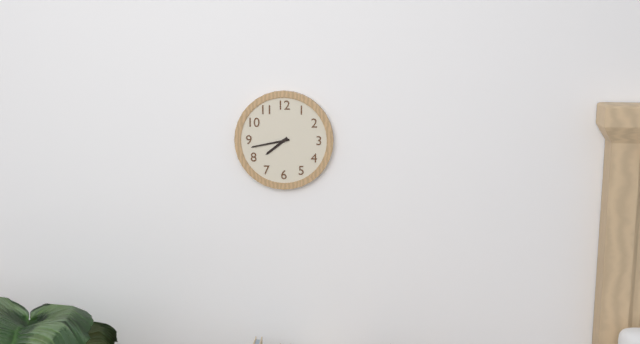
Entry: 7h43
